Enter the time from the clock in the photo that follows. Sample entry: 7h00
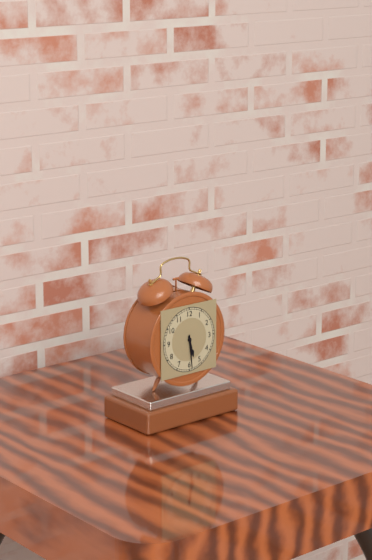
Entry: 5h29
